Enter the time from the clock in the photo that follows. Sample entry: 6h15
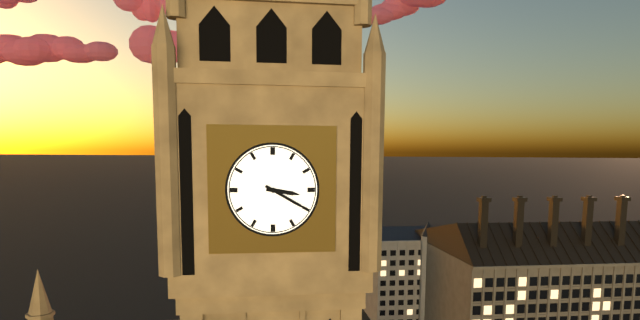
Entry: 3h20
